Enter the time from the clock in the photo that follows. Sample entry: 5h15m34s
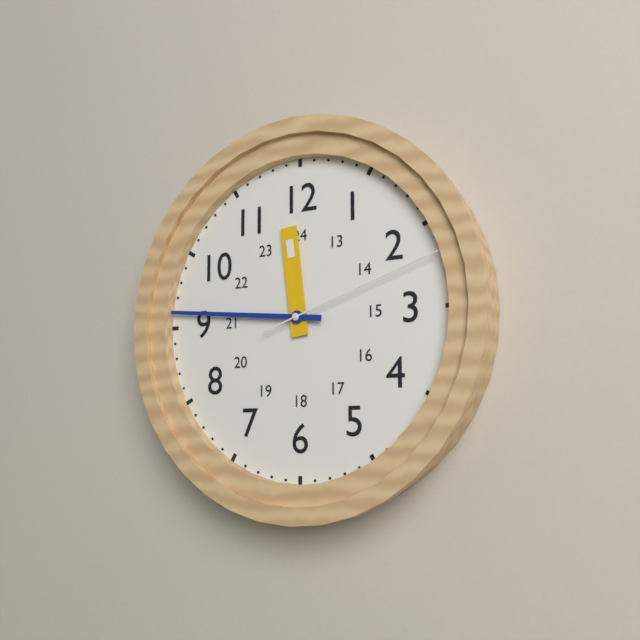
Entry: 11h46m12s
